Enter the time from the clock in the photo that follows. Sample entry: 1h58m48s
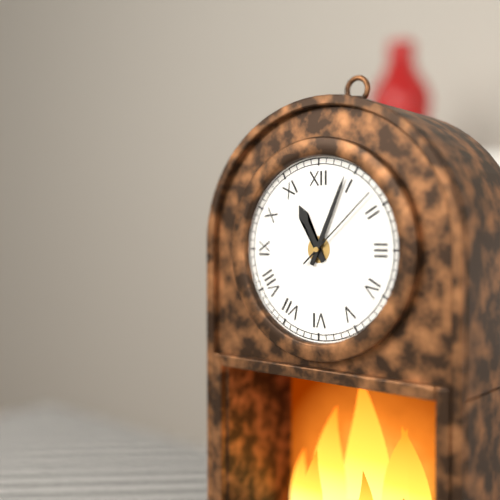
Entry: 11h04m08s
